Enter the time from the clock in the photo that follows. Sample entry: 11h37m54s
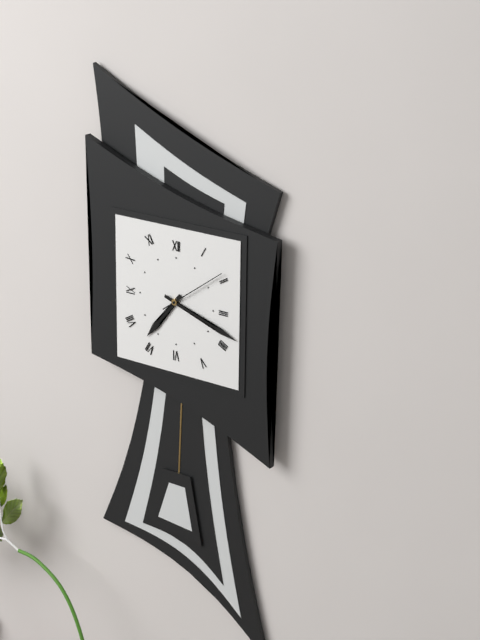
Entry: 7h18m09s
